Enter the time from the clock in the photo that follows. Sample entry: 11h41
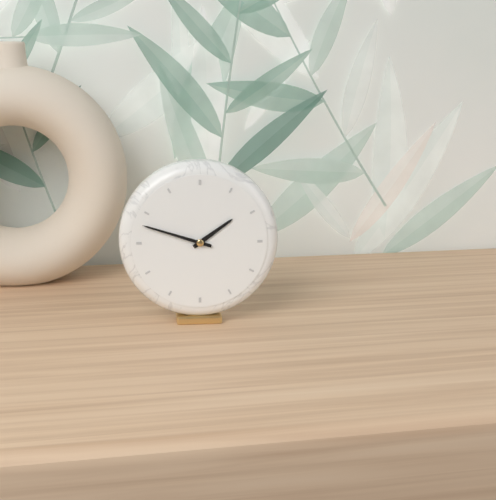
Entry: 1h48
